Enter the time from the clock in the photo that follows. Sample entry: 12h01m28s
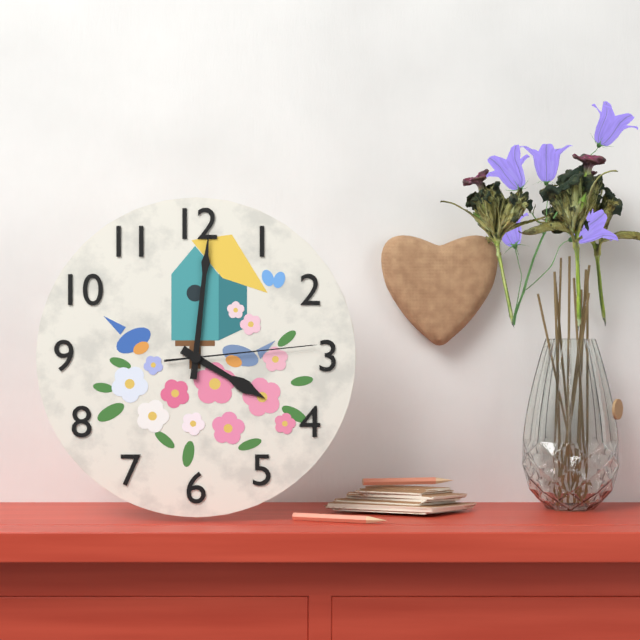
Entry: 4h01m14s
